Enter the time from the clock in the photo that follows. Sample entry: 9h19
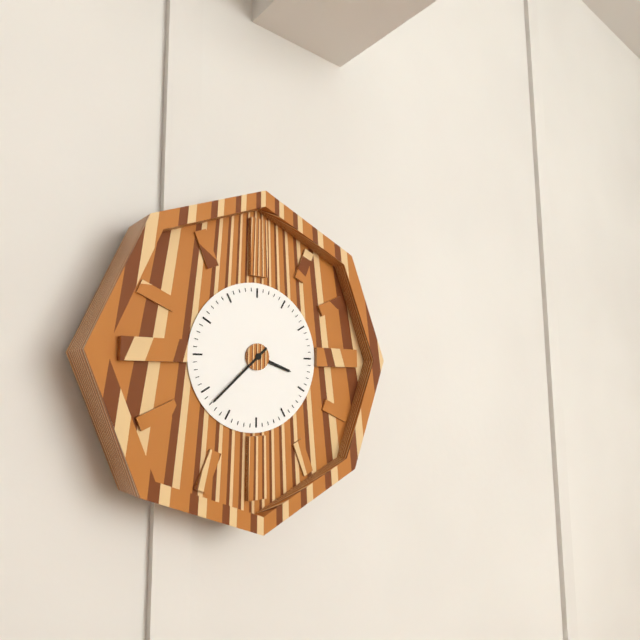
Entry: 3h38
